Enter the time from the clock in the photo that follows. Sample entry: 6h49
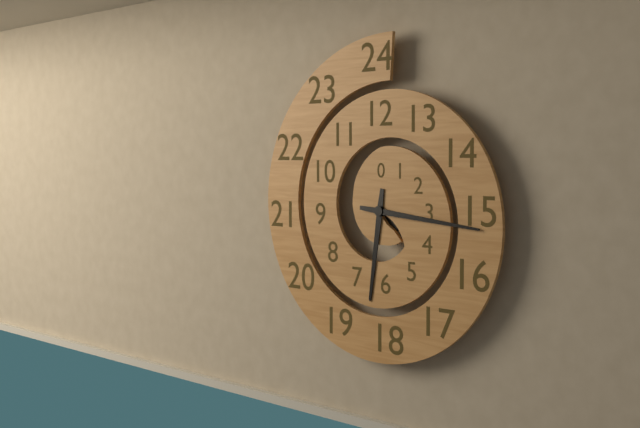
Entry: 6h16
